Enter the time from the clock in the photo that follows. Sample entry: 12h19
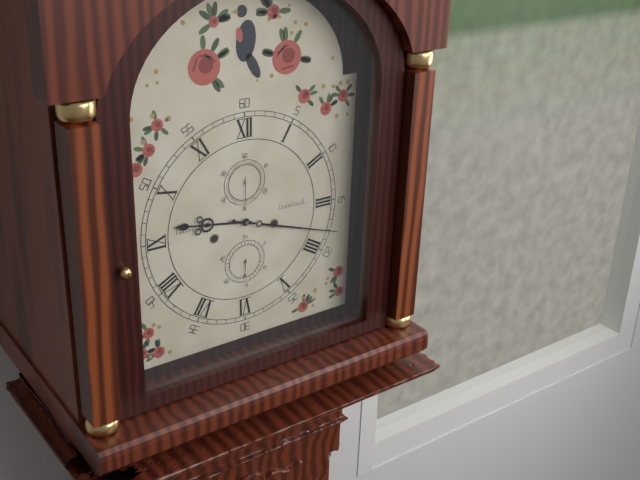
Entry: 9h18
